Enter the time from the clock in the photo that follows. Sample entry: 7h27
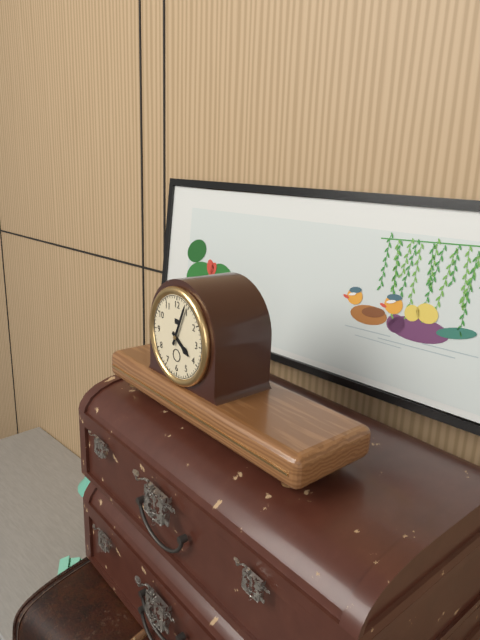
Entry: 4h04
